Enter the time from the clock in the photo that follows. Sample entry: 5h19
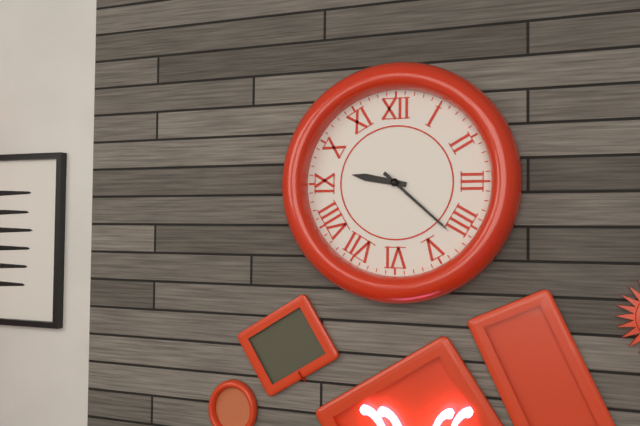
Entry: 9h22
